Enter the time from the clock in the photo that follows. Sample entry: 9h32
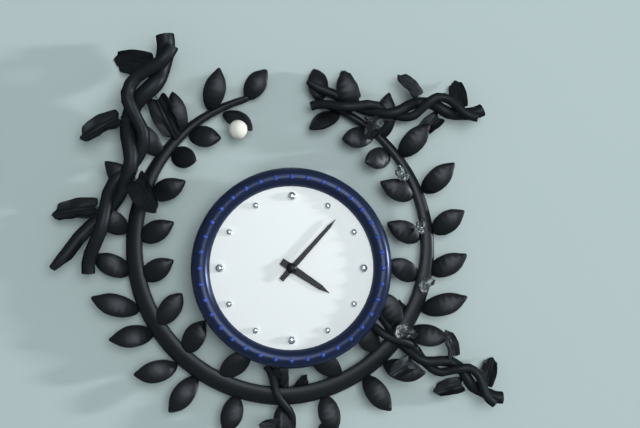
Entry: 4h07
